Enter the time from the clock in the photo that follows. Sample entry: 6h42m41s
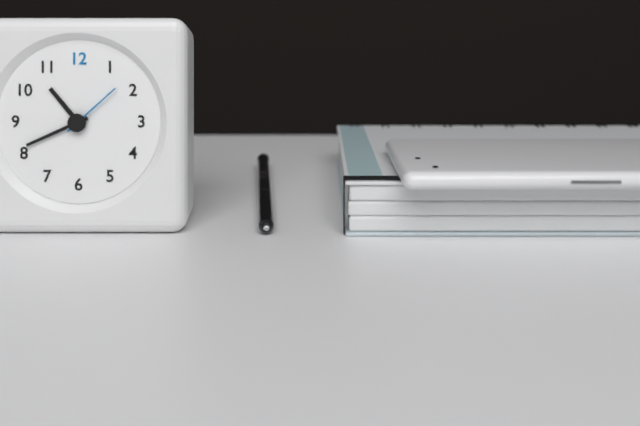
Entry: 10h41m08s
